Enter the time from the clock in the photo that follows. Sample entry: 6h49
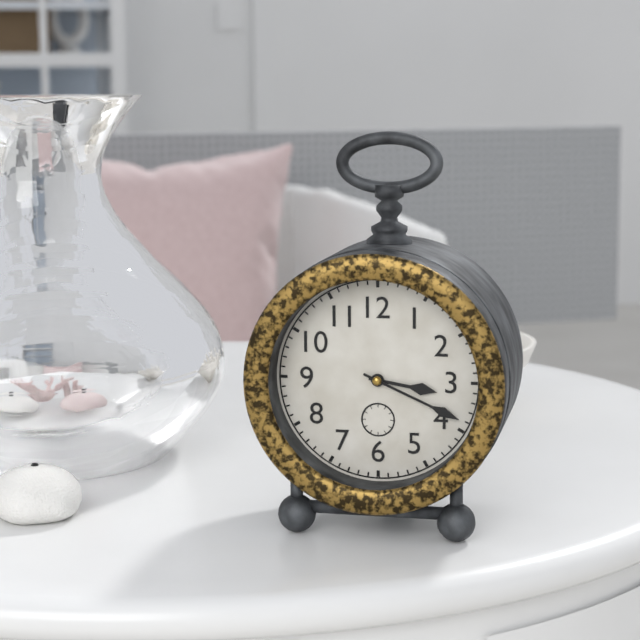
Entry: 3h19
